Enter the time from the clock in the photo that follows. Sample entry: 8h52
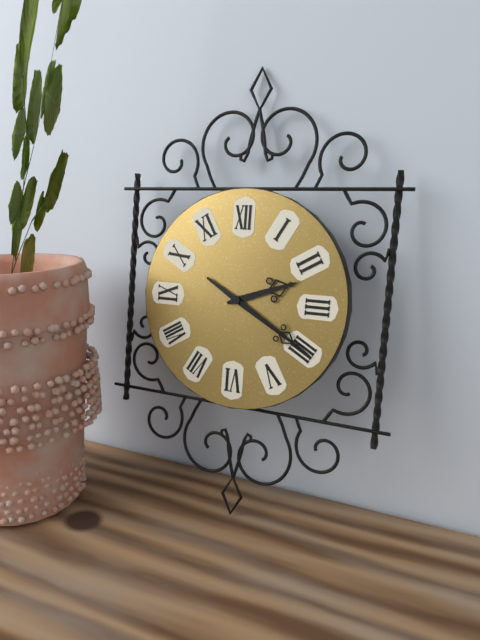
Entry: 2h20
